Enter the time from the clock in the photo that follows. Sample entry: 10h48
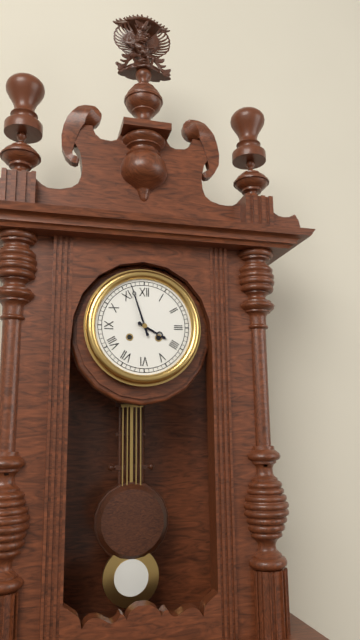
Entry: 3h57
